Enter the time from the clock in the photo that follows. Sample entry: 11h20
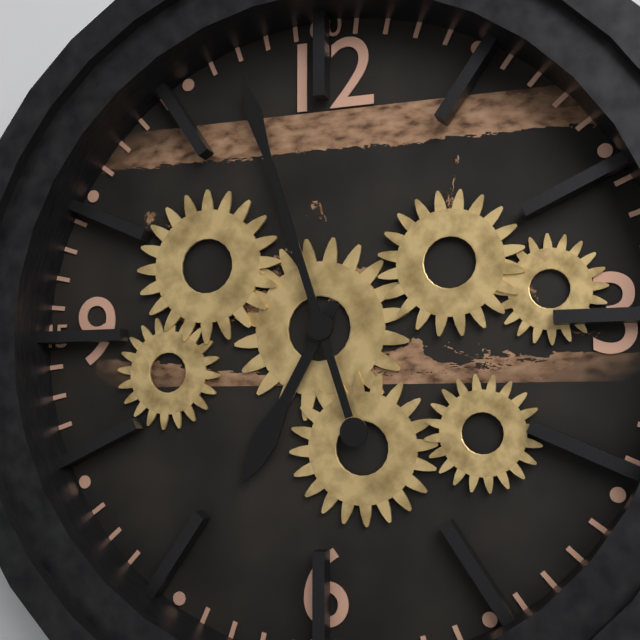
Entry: 6h57
